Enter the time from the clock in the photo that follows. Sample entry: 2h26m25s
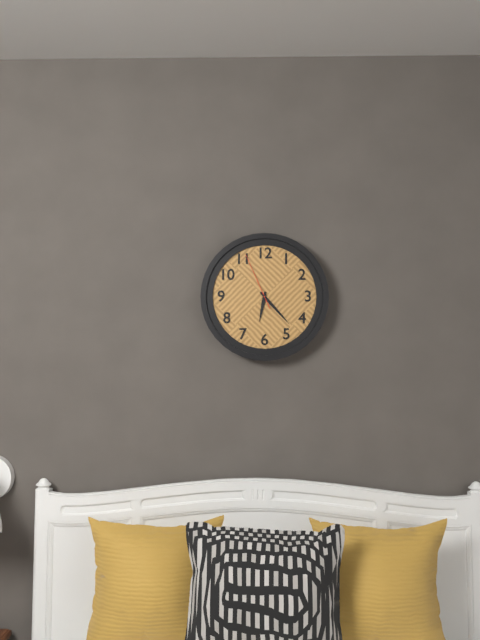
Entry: 6h23m56s
